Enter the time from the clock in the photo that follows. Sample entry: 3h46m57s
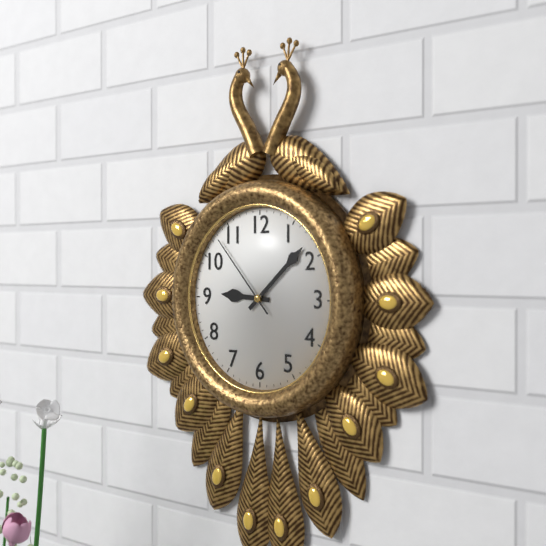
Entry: 9h08m53s
